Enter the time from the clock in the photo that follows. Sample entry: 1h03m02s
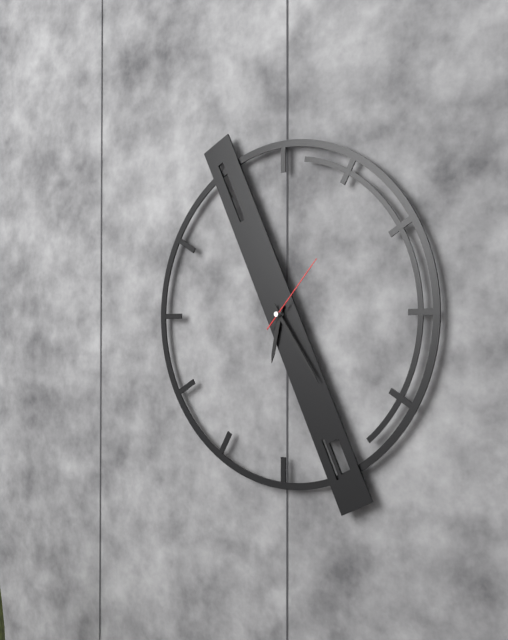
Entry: 6h24m07s
